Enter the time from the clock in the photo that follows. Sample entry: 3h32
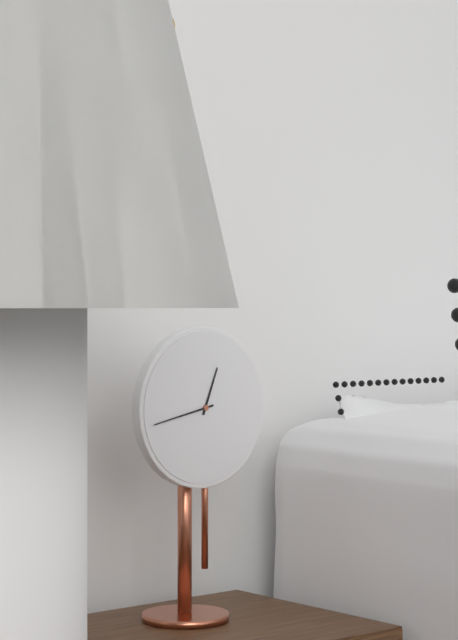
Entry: 12h43
